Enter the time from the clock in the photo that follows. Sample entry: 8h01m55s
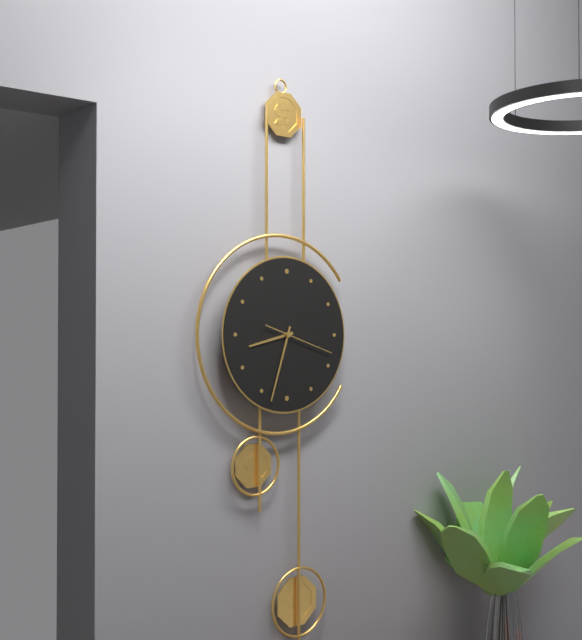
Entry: 8h33m18s
